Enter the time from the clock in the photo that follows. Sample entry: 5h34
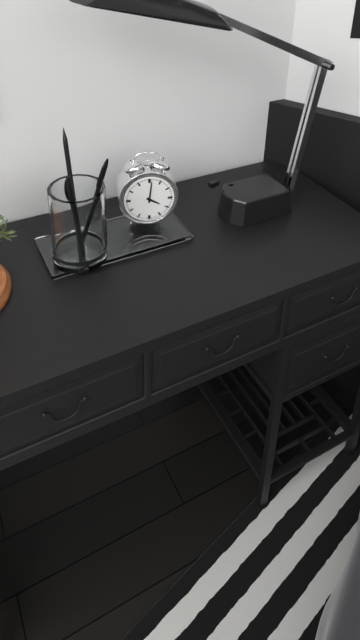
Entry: 4h01
